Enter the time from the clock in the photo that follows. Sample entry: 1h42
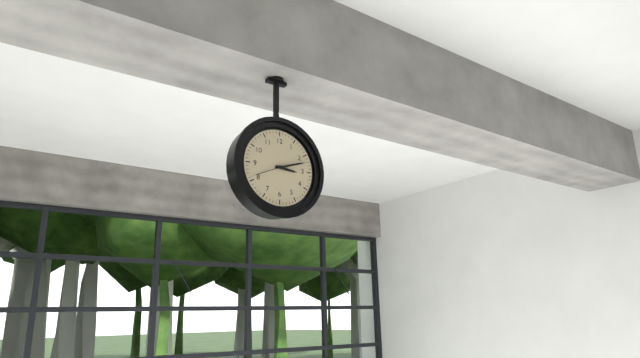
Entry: 3h12
